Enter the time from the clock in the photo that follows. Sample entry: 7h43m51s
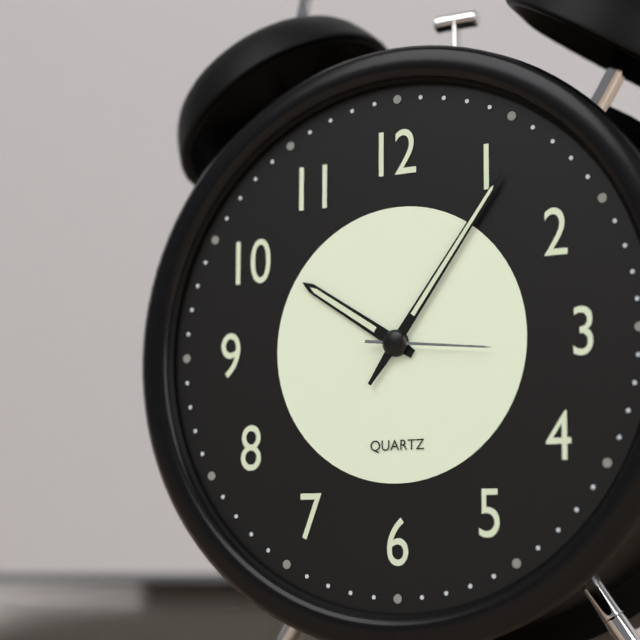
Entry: 10h06m16s
